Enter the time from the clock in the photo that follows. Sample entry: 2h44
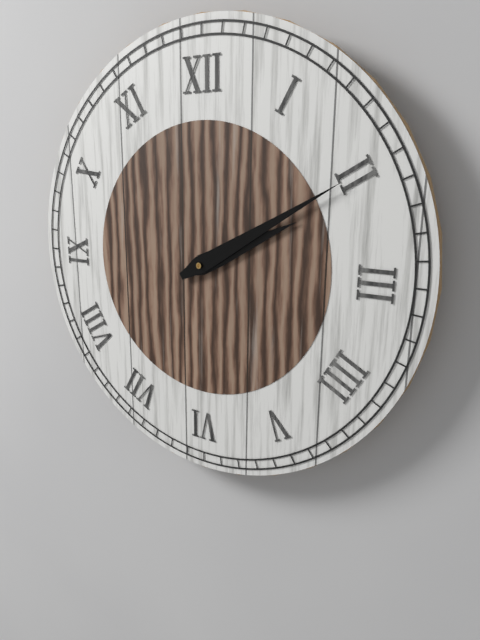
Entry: 2h10
